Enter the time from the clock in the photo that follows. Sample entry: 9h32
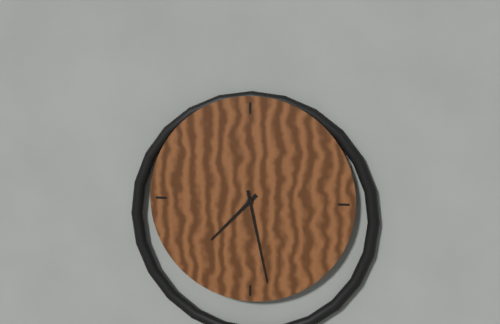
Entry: 7h28
